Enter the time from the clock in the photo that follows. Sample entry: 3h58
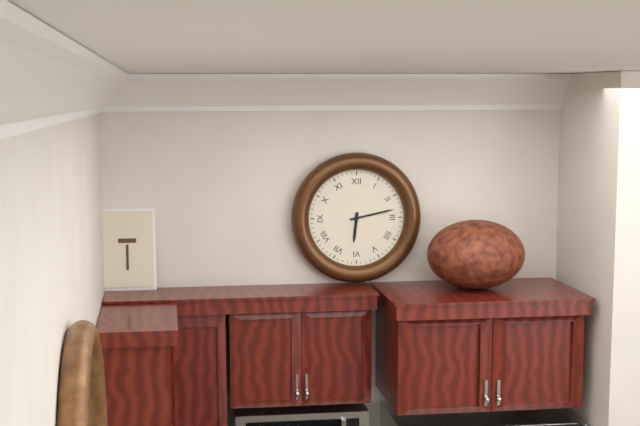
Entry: 6h13
